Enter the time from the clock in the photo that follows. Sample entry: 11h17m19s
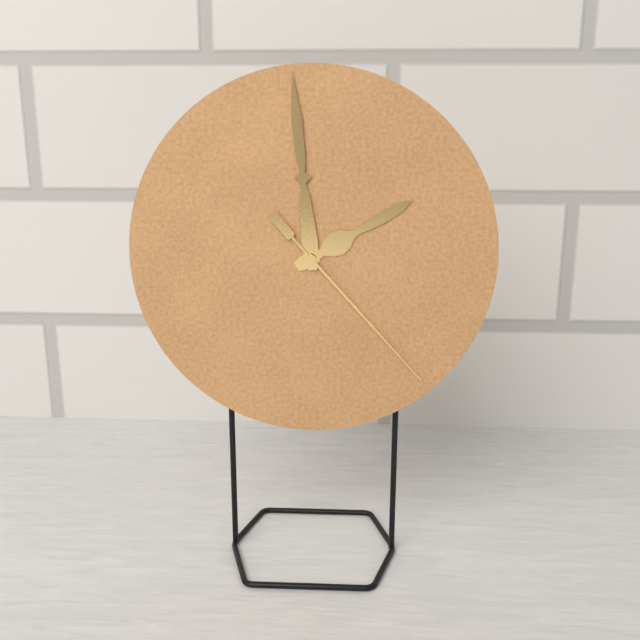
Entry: 1h59m23s
